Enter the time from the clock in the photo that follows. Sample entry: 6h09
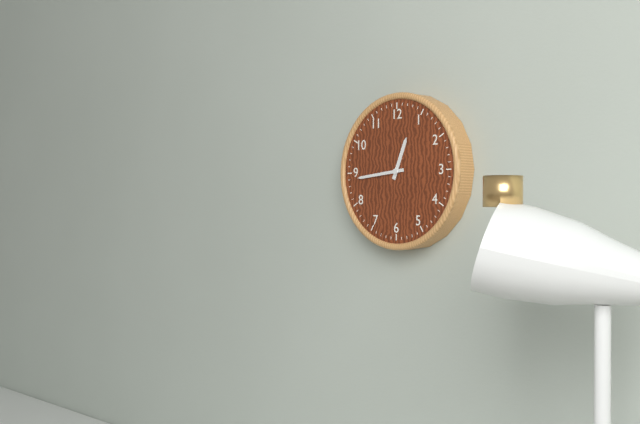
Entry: 12h44
